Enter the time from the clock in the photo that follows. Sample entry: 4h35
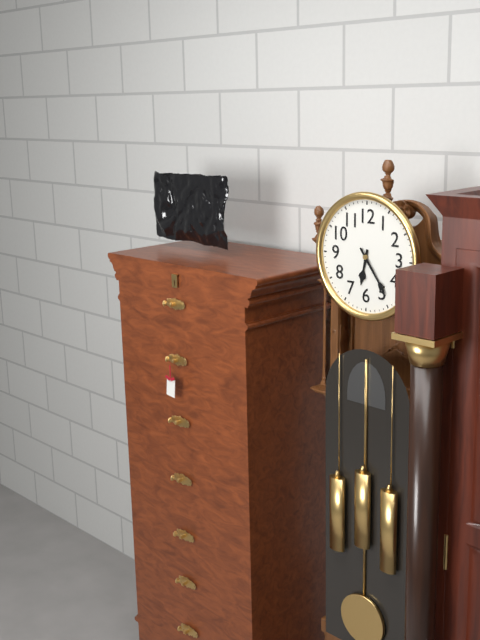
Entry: 6h24
